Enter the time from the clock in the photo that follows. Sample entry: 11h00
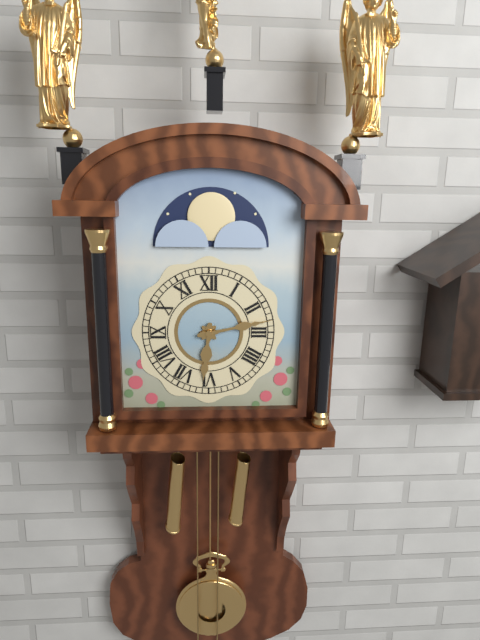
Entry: 6h13
